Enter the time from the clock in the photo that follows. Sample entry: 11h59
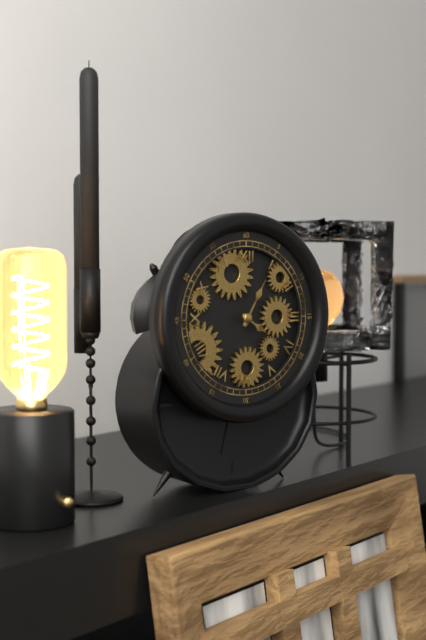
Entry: 4h05
